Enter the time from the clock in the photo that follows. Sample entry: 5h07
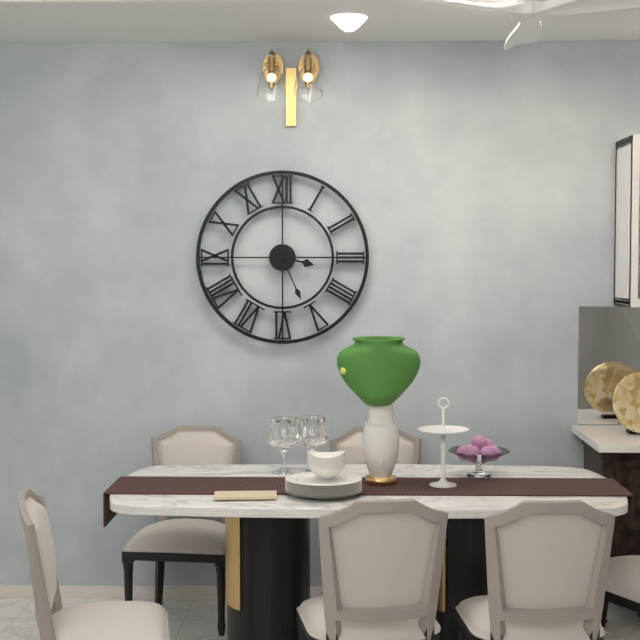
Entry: 3h26
